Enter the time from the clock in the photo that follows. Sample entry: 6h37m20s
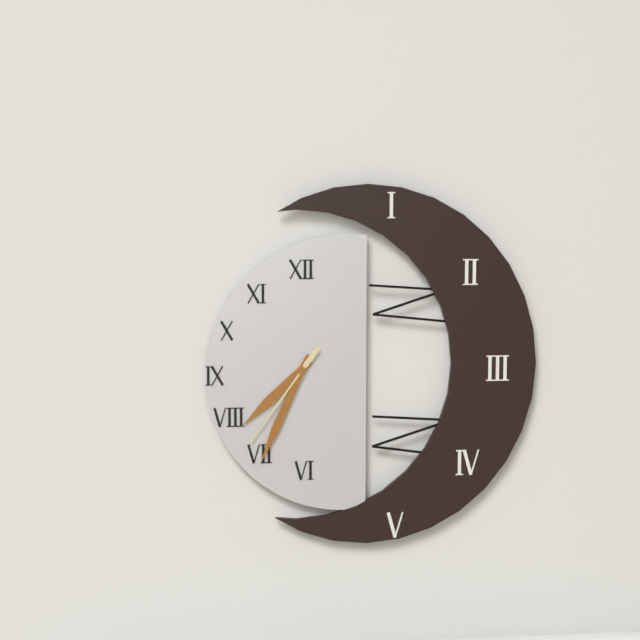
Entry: 7h34m36s
